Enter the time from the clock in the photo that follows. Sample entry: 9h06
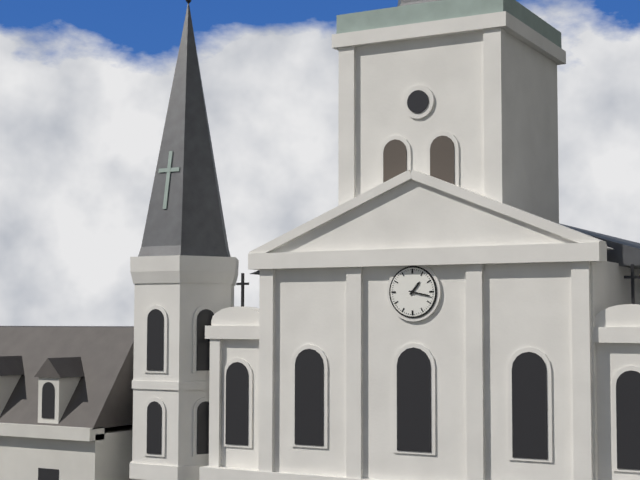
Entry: 1h17
